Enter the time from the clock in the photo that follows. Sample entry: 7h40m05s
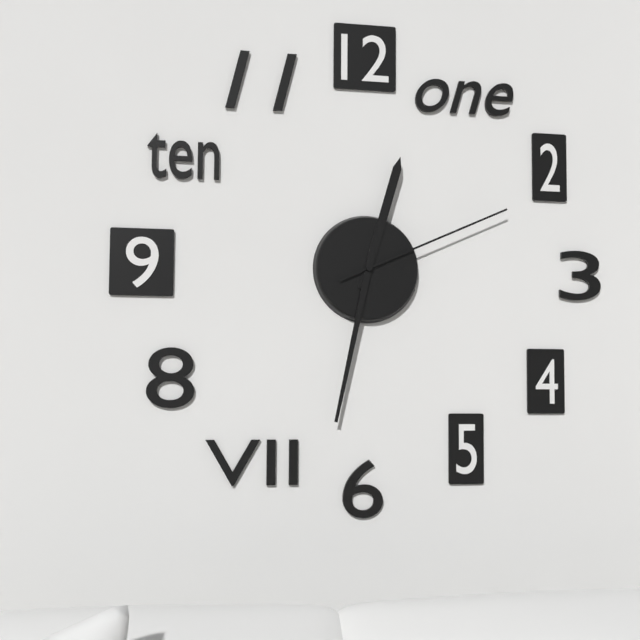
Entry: 12h32m11s
